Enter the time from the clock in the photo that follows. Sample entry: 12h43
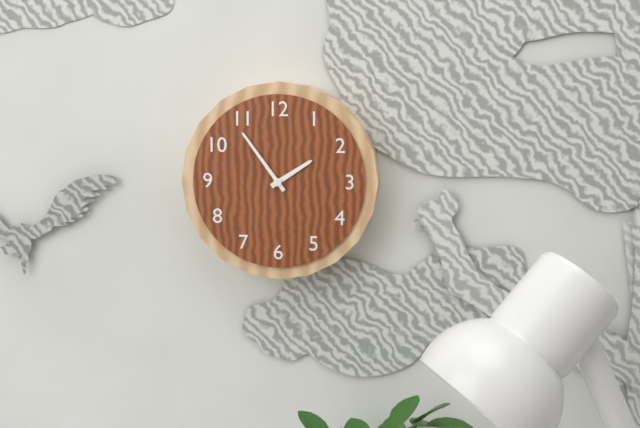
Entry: 1h54
